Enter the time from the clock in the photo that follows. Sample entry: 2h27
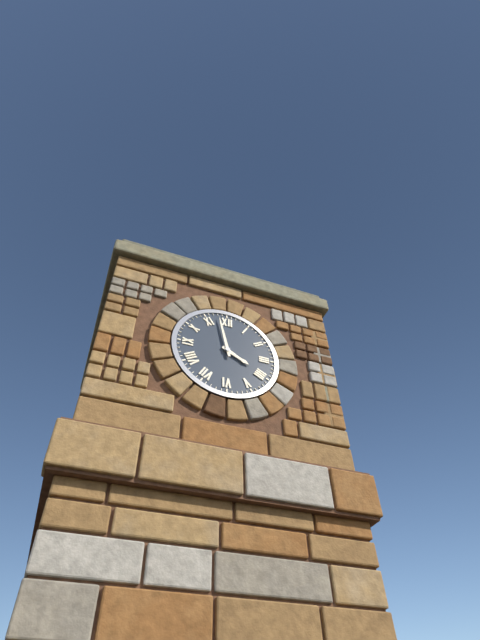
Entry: 3h58
